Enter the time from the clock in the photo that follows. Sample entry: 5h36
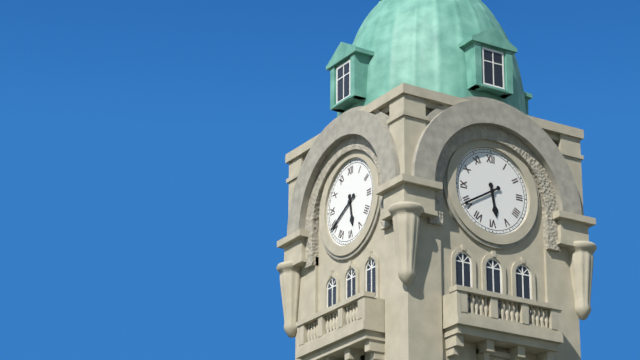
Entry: 5h40
